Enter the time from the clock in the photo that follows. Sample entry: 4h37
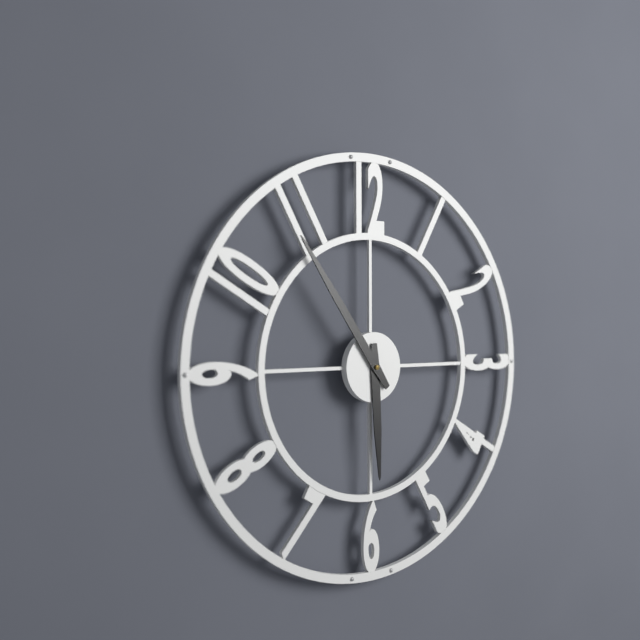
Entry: 5h54
